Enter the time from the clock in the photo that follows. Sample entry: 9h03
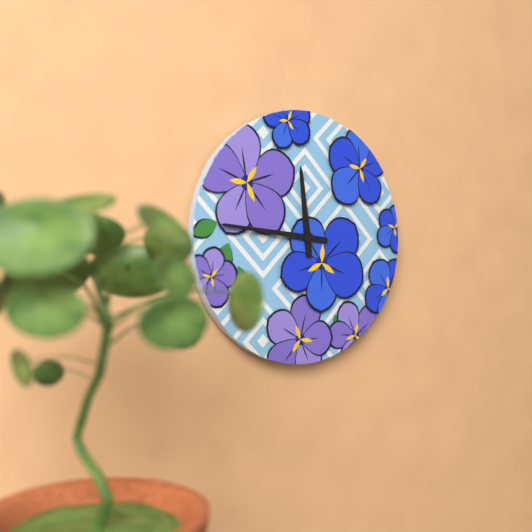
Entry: 11h46
